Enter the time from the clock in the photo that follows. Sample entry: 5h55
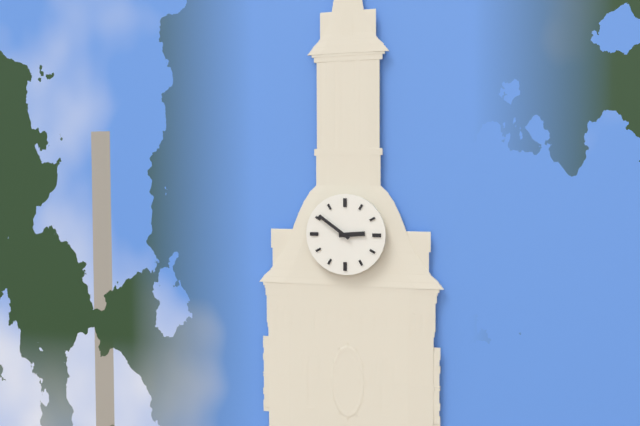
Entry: 2h51
